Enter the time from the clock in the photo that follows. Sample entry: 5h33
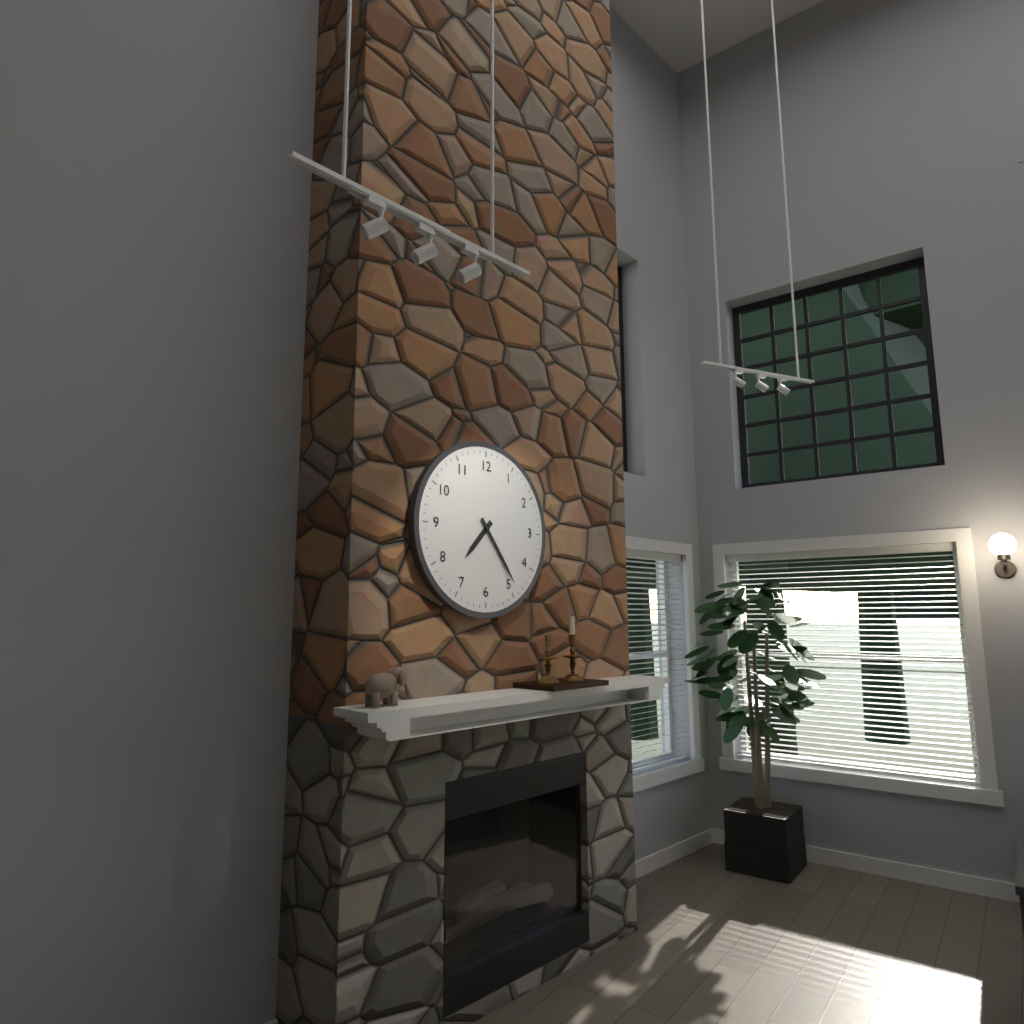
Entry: 7h24
